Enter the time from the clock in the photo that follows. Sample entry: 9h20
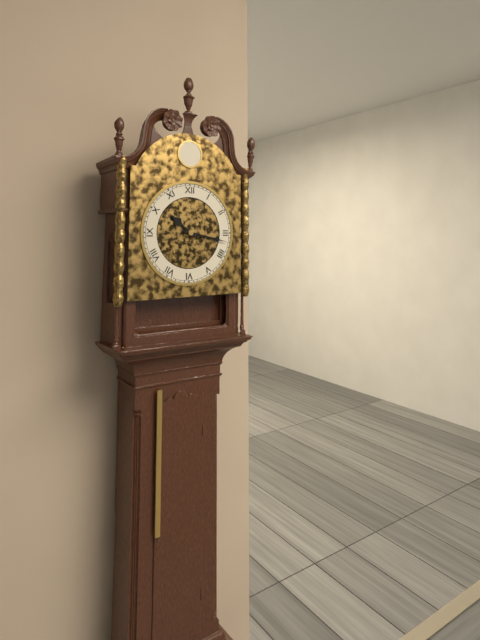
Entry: 10h17
